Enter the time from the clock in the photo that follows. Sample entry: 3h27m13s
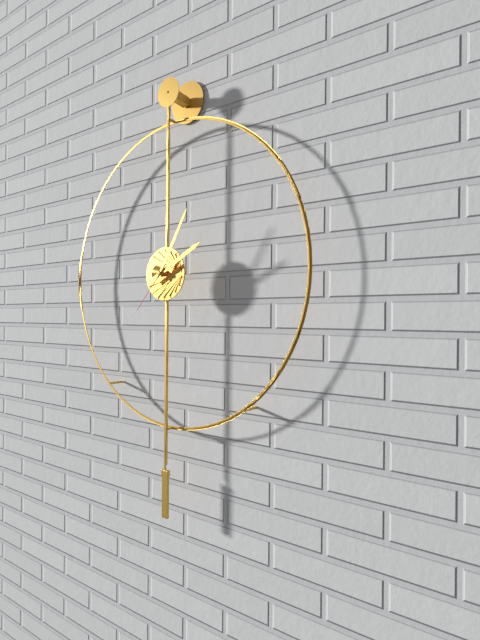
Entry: 2h05m37s
